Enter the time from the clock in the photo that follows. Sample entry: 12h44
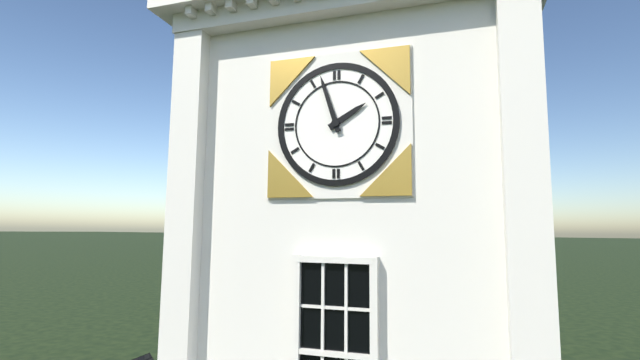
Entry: 1h57
